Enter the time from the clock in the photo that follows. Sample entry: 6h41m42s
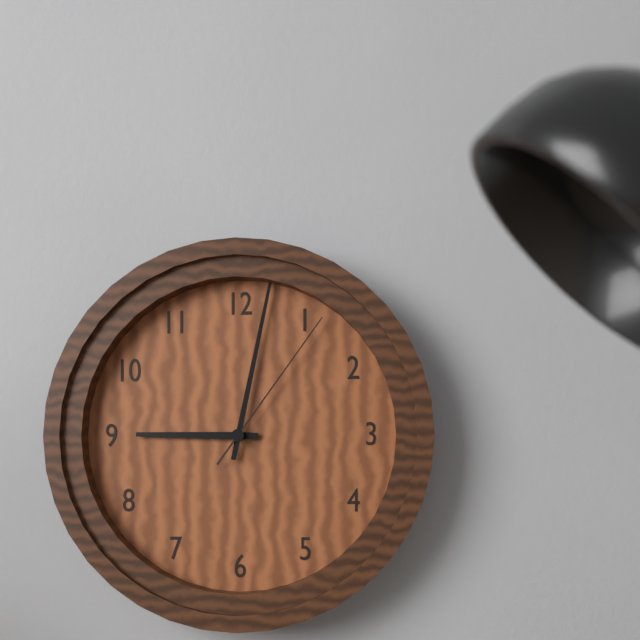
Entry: 9h02m06s
